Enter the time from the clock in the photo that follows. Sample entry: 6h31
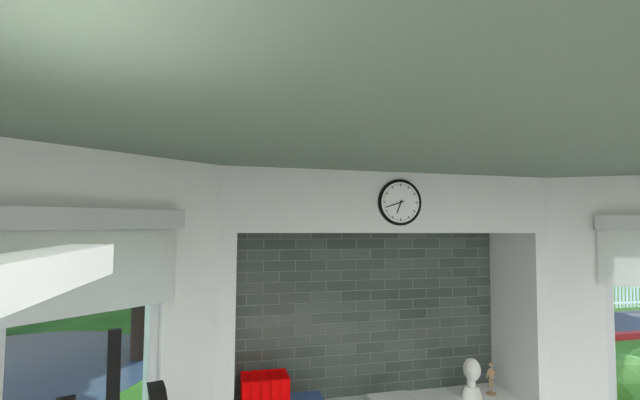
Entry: 6h42
